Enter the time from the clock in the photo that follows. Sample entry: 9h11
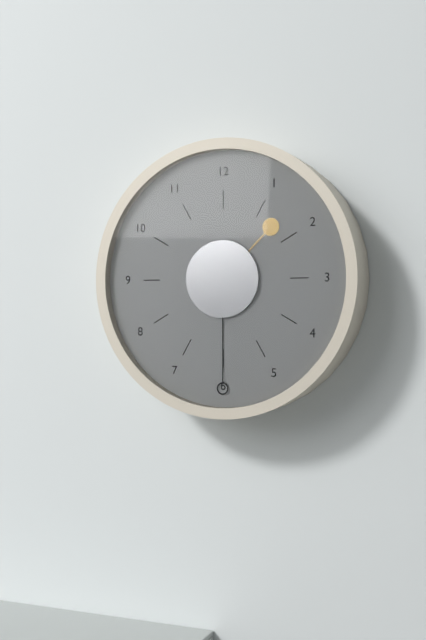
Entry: 1h30
